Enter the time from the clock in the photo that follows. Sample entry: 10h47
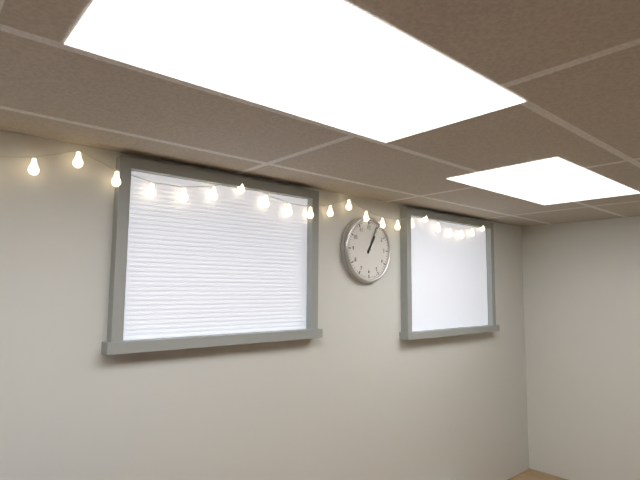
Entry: 1h04
